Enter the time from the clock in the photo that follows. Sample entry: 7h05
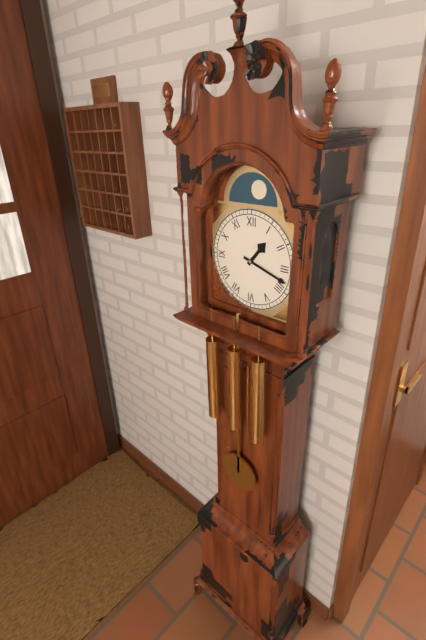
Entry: 1h18
